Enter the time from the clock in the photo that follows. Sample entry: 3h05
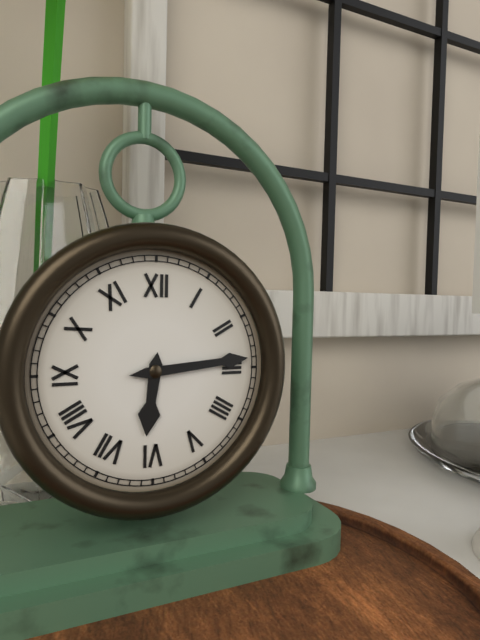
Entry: 6h14
